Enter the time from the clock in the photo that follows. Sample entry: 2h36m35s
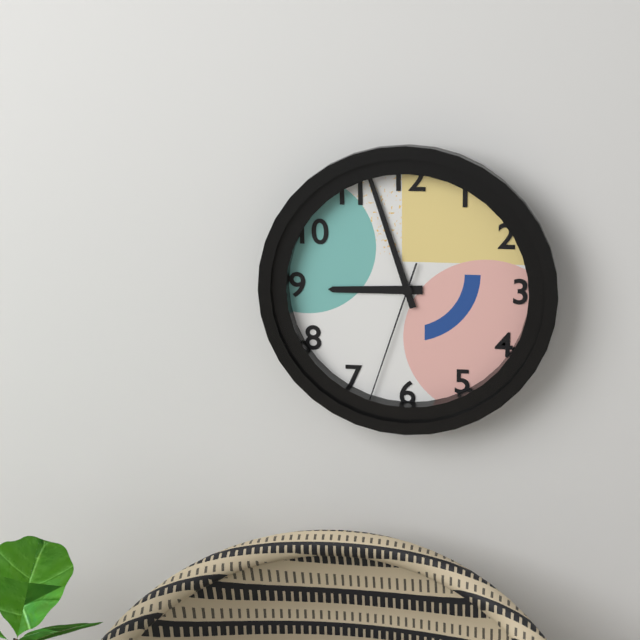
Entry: 8h57m33s
